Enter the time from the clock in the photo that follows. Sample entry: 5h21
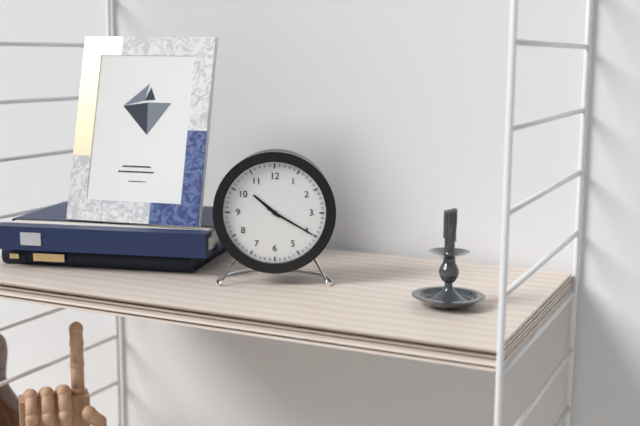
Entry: 10h20
